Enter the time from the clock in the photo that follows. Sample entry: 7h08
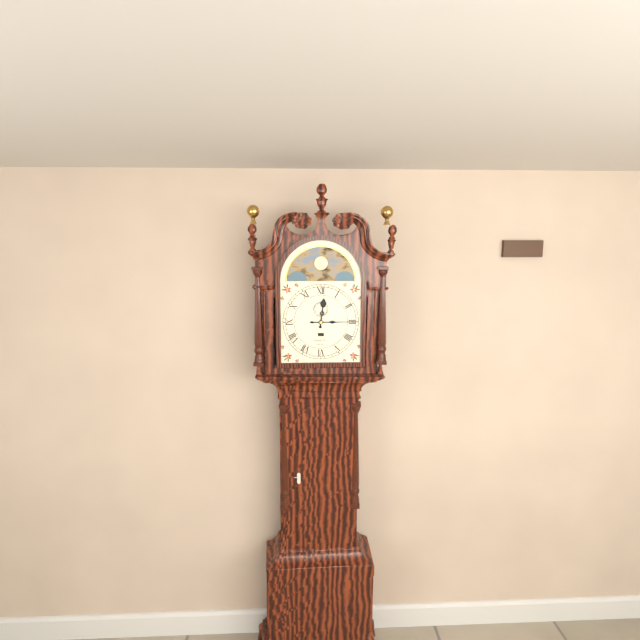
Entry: 12h15
